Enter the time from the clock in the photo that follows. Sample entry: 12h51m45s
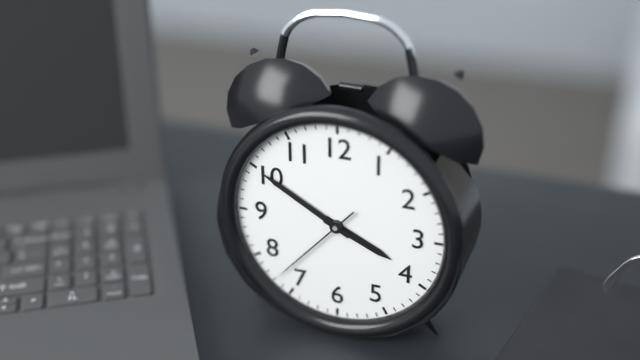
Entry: 3h50m37s
